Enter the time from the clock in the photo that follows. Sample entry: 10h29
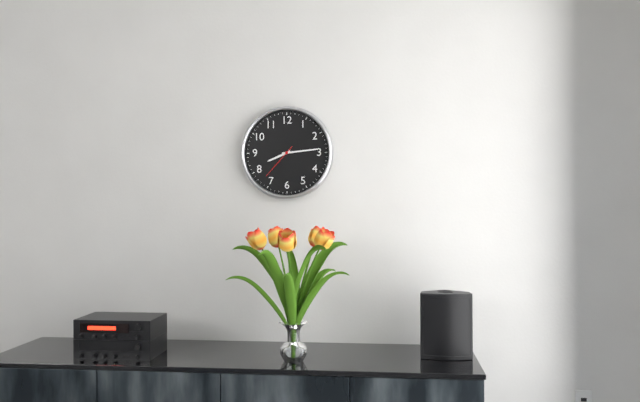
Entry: 8h14
